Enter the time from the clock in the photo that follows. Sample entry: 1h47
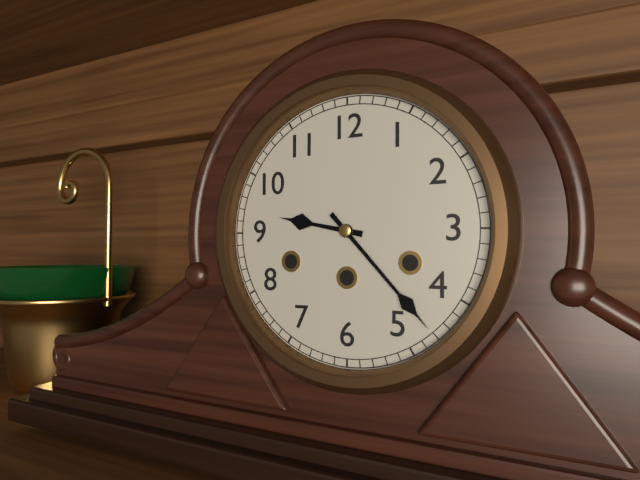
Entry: 9h23
